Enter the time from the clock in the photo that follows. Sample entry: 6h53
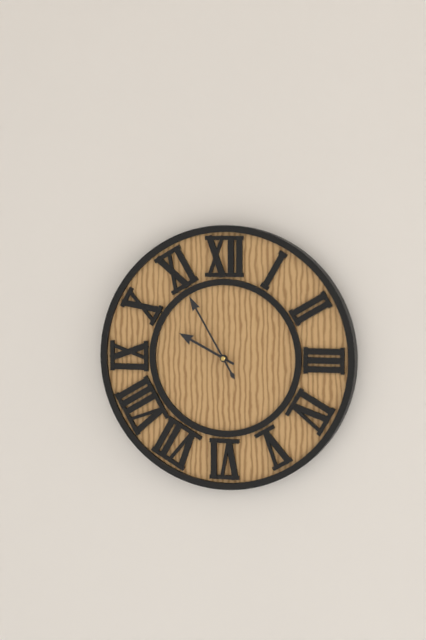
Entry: 9h55
